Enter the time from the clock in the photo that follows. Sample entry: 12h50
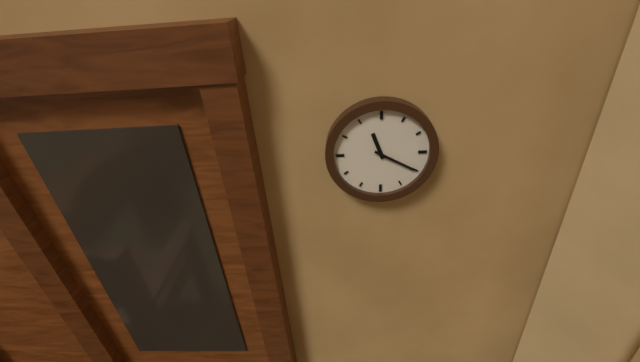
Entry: 11h20
